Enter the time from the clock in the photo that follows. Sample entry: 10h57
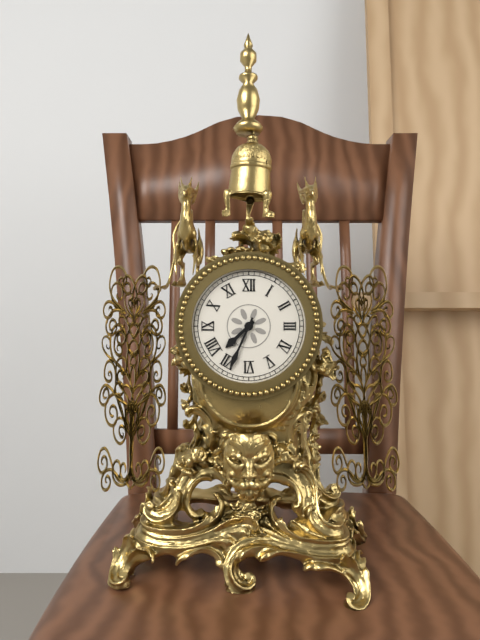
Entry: 7h34
